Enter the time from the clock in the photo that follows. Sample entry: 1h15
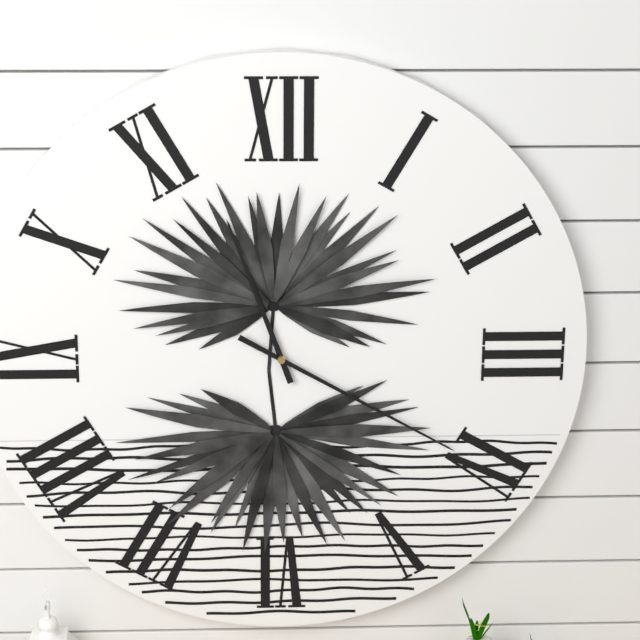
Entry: 11h20
